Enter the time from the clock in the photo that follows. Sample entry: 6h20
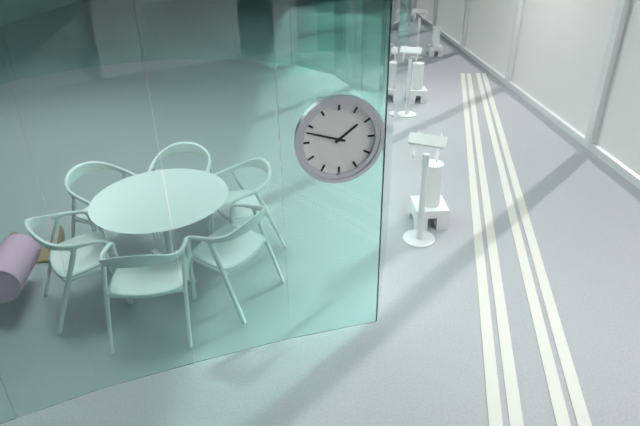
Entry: 1h48
